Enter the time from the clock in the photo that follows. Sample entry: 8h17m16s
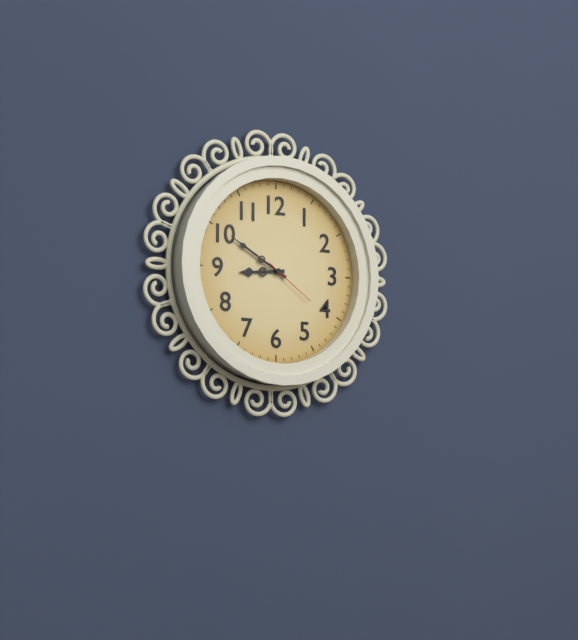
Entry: 8h50m21s
